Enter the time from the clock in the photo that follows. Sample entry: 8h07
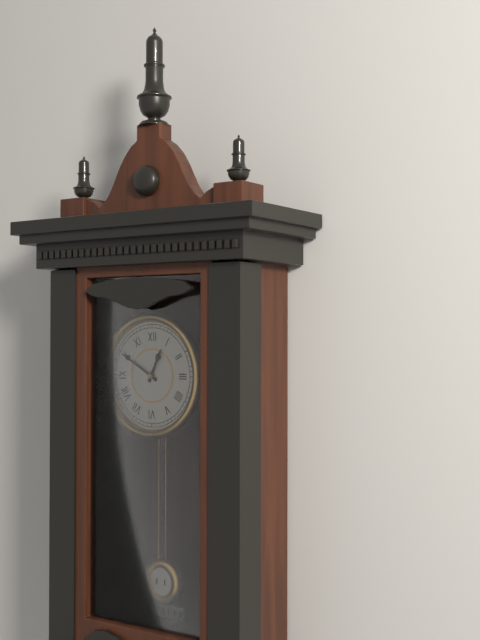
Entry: 12h50
